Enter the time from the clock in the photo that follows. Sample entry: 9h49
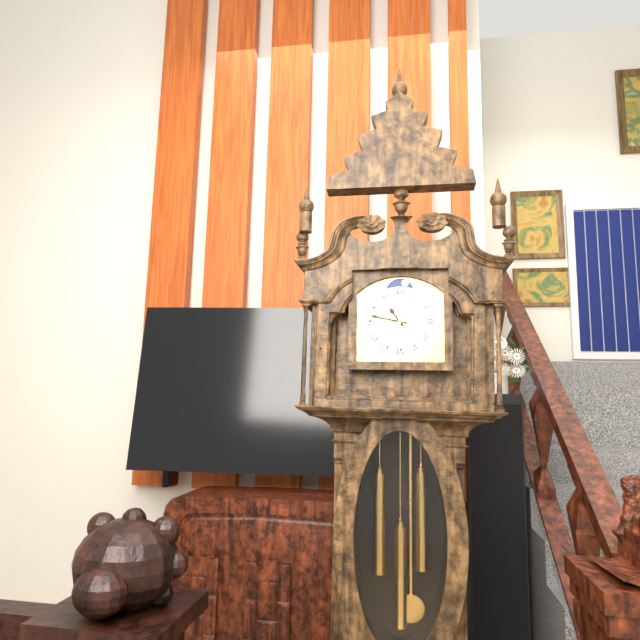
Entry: 10h47
